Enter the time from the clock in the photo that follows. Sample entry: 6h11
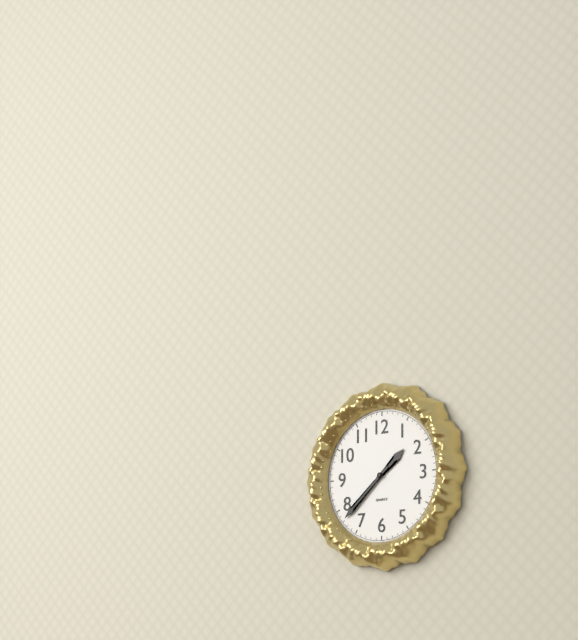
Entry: 1h38
